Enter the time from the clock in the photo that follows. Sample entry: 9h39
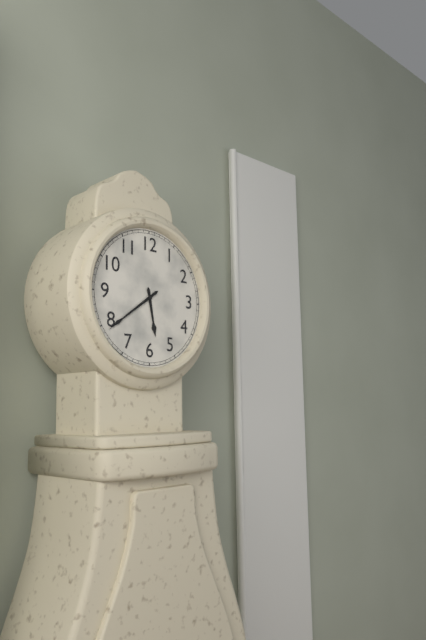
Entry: 5h39
